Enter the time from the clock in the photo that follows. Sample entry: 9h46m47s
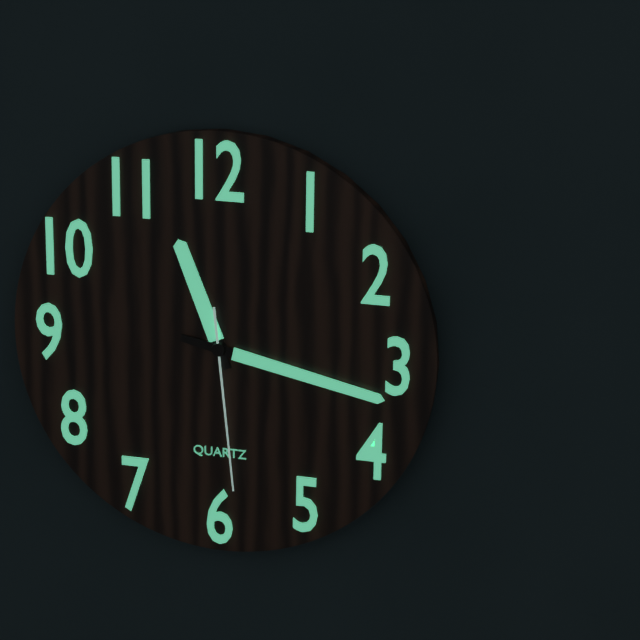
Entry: 11h17m29s
